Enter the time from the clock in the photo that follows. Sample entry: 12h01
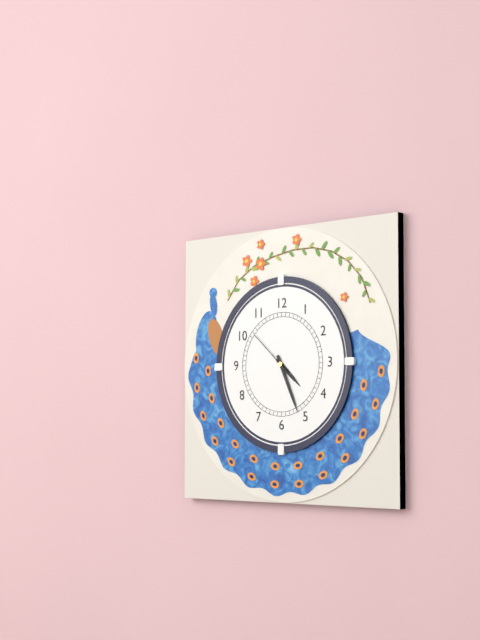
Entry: 4h26
